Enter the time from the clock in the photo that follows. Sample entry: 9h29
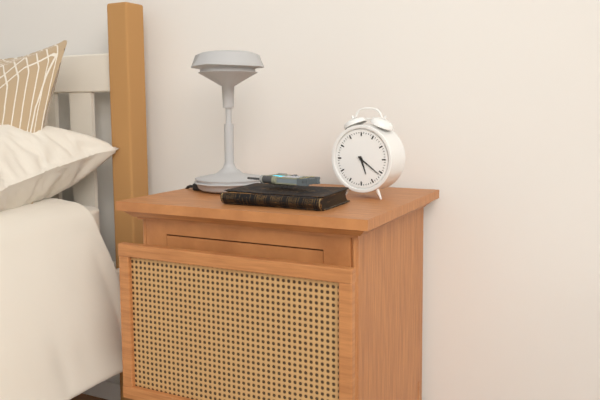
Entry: 5h21
